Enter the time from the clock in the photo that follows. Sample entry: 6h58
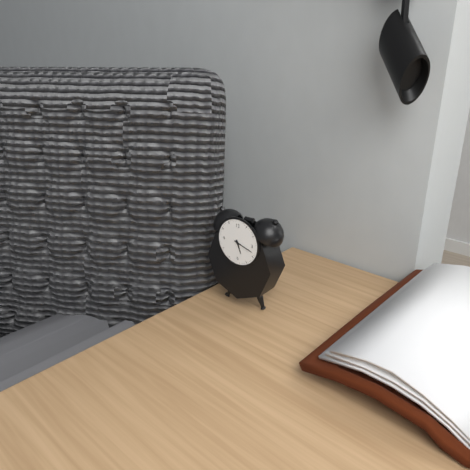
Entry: 5h18
